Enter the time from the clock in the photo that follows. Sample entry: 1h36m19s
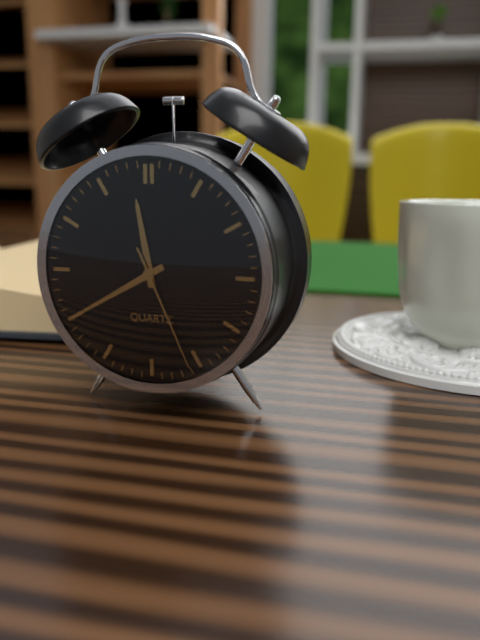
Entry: 11h40m26s
